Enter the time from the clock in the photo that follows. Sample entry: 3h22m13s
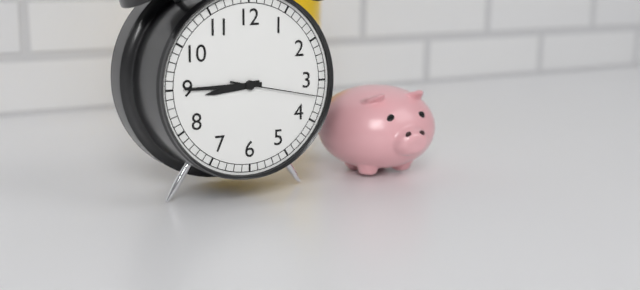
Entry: 8h45m17s
